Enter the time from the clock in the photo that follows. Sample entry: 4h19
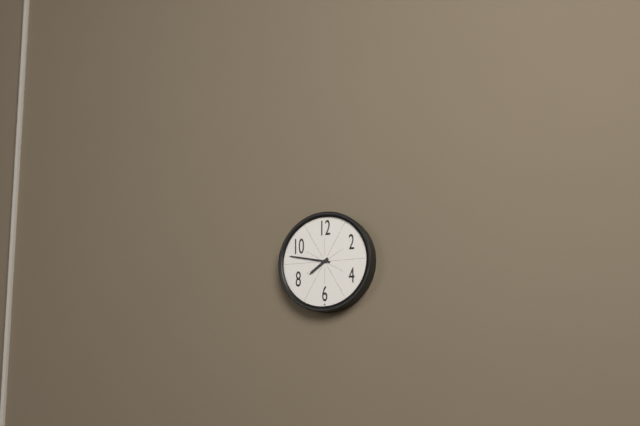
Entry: 7h47
